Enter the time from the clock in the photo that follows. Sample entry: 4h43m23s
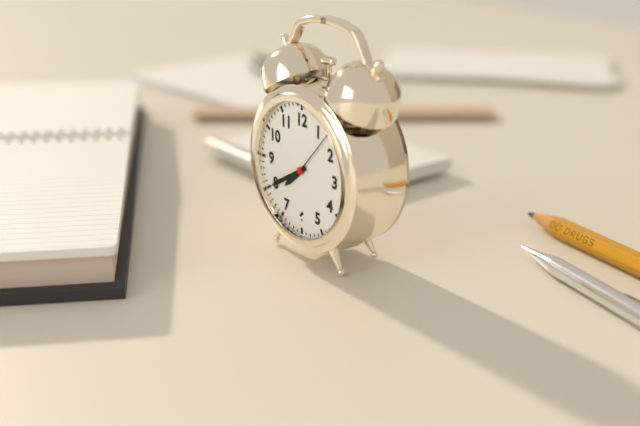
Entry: 7h40m07s
